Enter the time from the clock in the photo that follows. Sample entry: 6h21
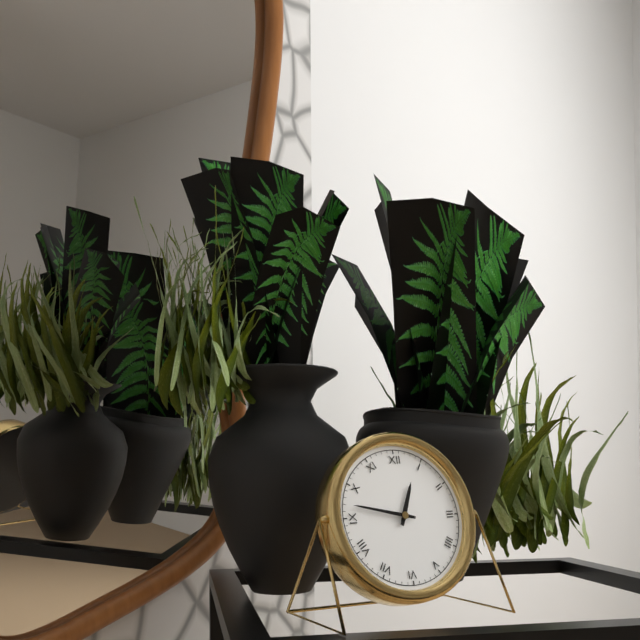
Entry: 12h47
